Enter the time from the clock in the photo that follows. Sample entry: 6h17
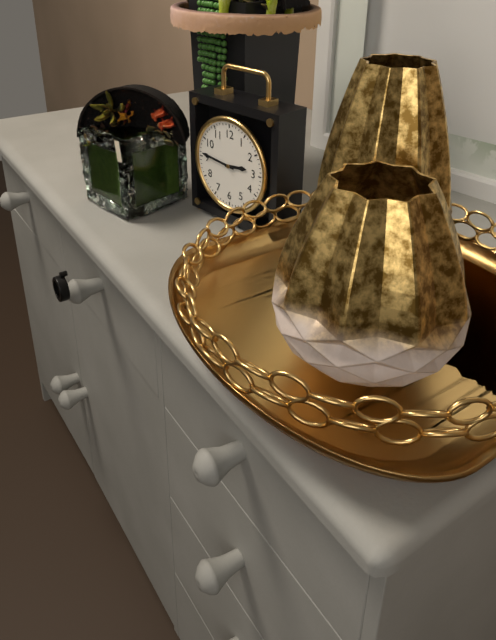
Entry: 2h46
